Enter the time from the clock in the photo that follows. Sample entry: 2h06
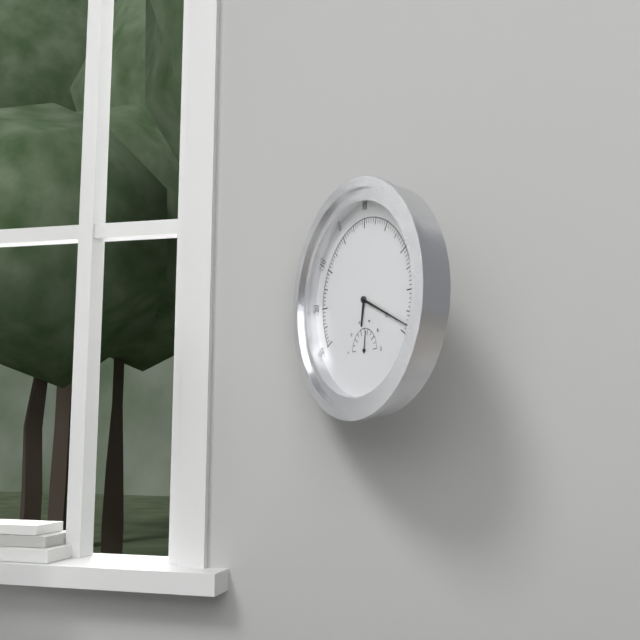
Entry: 6h19
